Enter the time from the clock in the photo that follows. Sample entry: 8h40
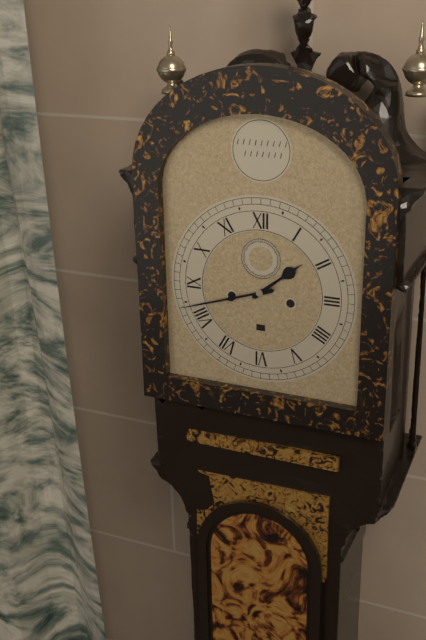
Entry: 1h42
